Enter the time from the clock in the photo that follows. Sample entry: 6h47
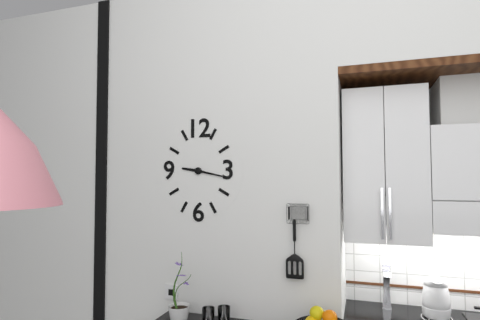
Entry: 9h17
